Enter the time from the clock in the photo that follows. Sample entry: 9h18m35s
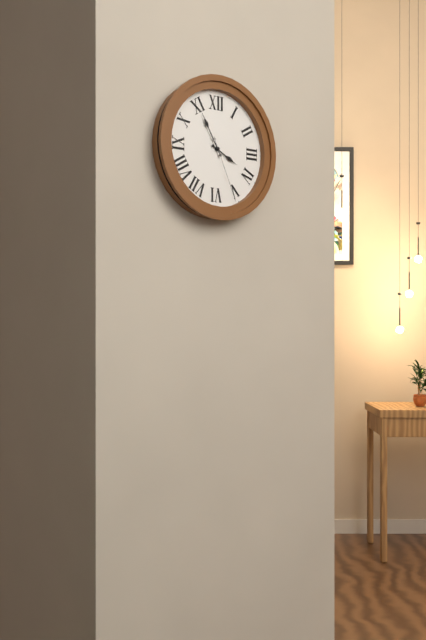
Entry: 3h55m26s
